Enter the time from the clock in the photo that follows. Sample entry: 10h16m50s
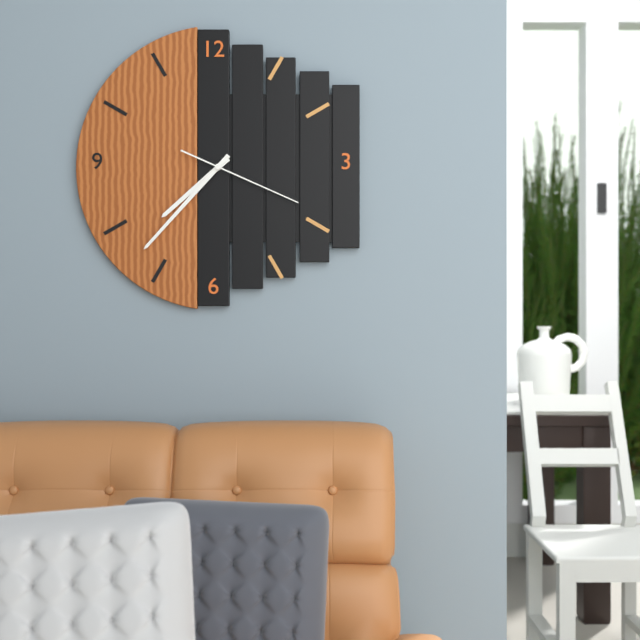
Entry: 7h37m19s
